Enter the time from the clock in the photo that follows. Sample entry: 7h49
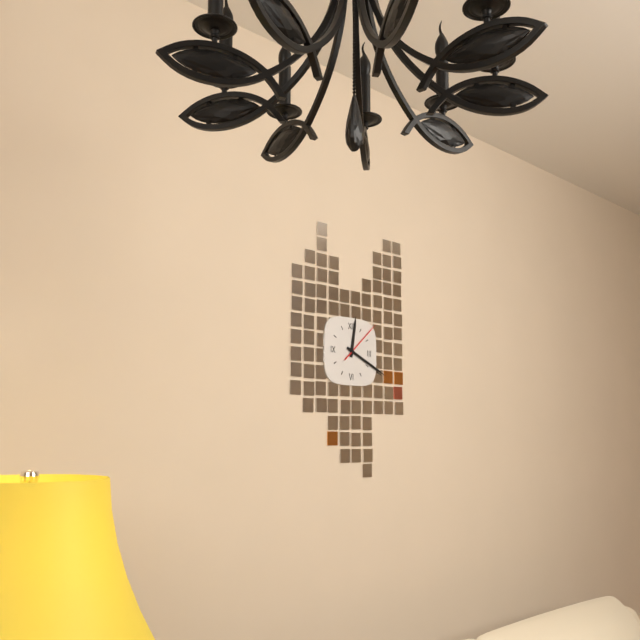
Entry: 12h19
